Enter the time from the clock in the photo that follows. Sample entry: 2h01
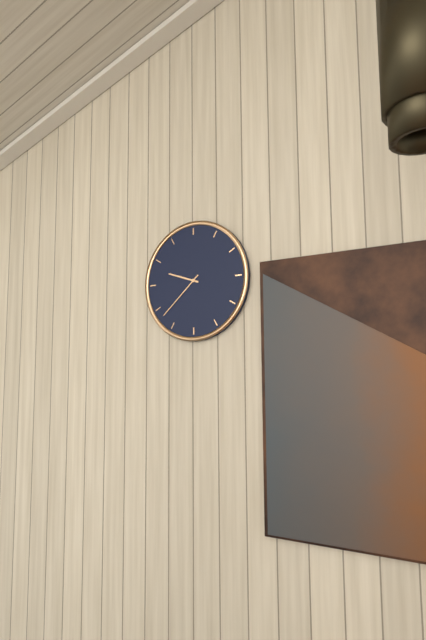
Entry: 9h38
